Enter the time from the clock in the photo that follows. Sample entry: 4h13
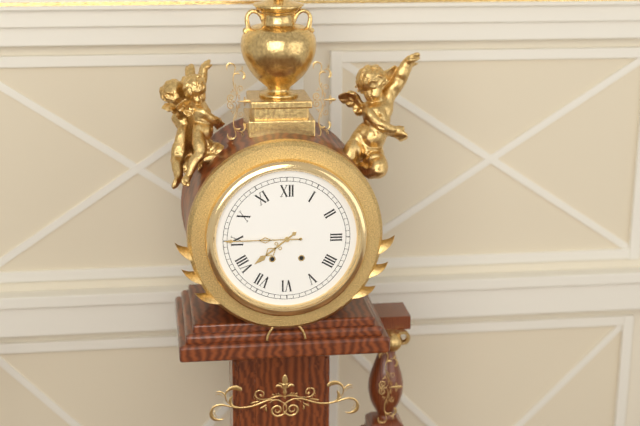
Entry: 7h45
